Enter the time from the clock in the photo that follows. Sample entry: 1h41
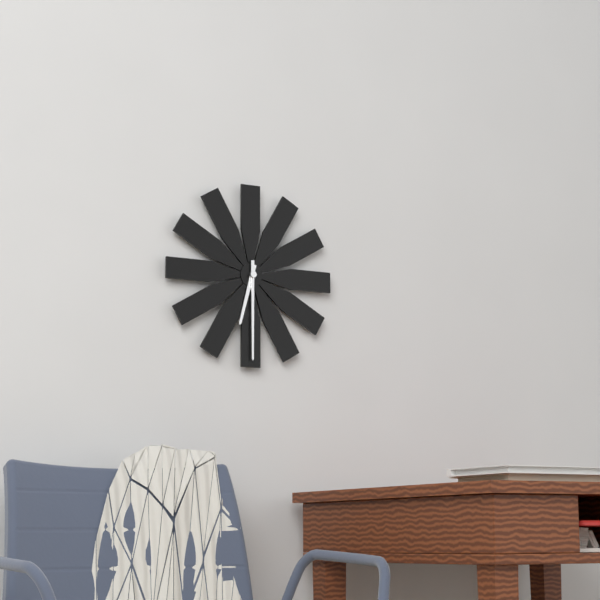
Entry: 6h30
